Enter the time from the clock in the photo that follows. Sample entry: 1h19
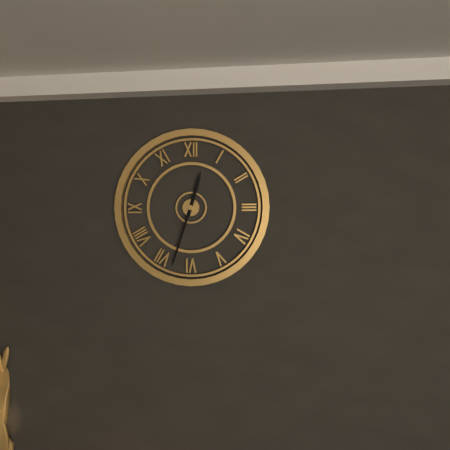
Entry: 12h33
